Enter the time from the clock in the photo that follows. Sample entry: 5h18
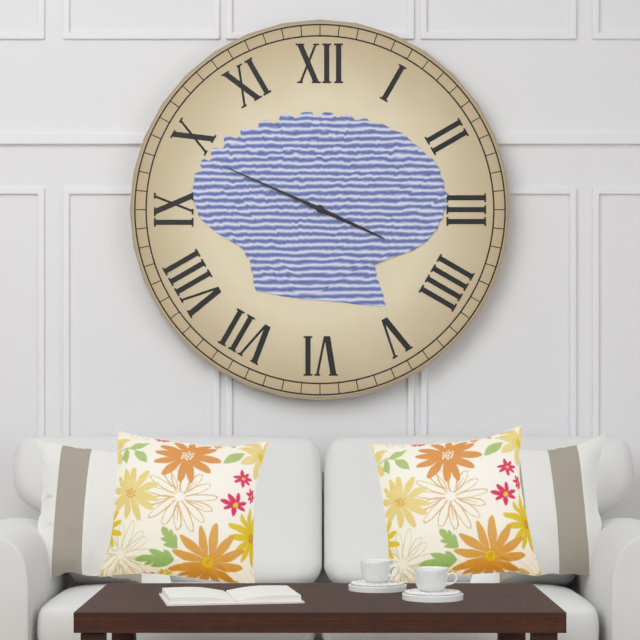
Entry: 3h49
